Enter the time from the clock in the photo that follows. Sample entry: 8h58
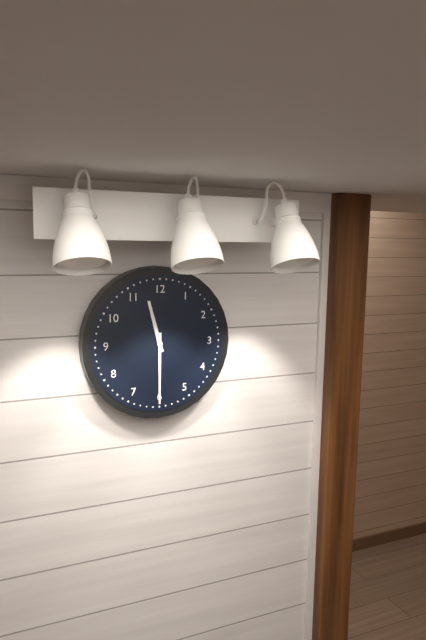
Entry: 11h30
